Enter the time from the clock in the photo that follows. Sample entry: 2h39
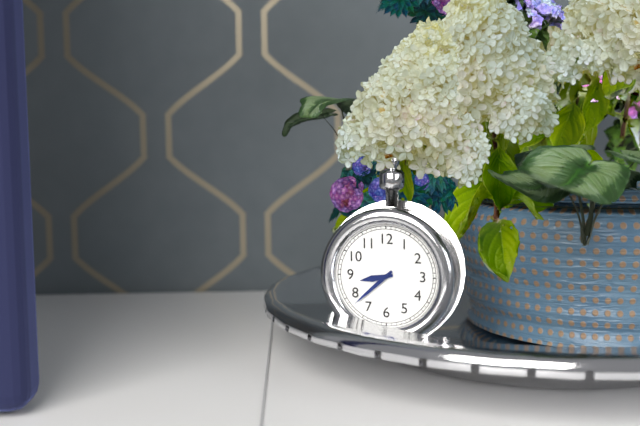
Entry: 8h38
